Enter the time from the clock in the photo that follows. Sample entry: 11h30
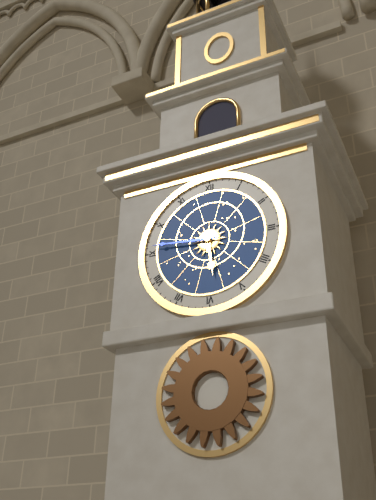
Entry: 5h46
